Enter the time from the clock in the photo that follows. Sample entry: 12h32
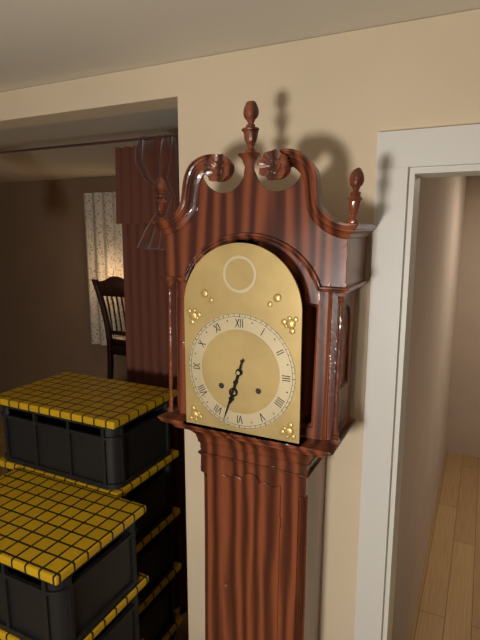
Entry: 6h33
